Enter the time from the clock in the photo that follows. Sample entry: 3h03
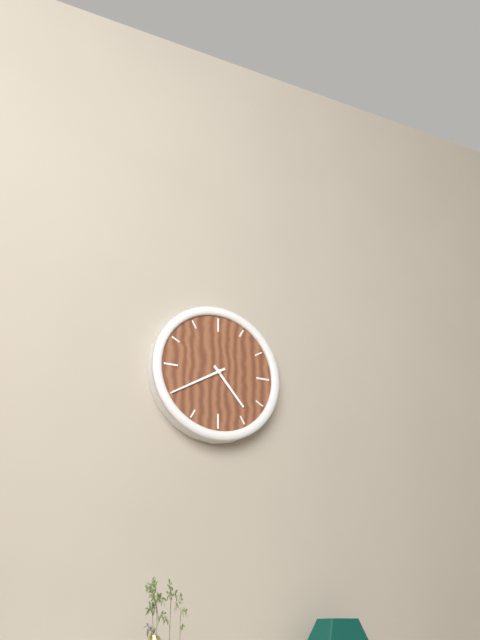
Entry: 4h40
